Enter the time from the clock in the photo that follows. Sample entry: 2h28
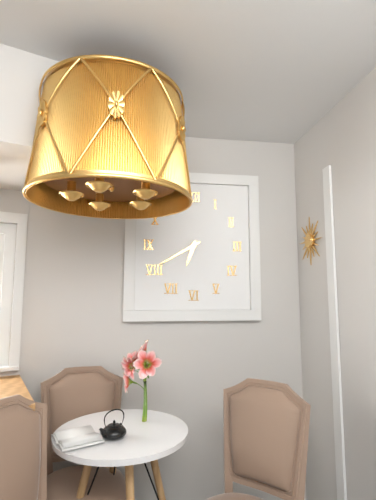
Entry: 6h40
